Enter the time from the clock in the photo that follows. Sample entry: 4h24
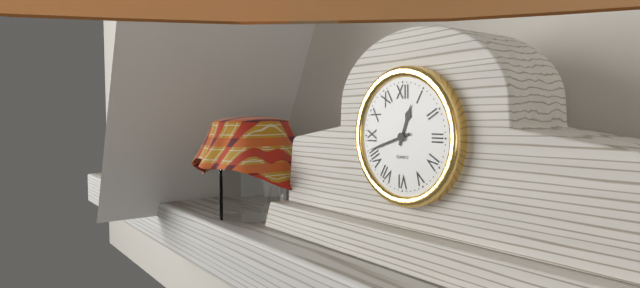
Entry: 12h42
